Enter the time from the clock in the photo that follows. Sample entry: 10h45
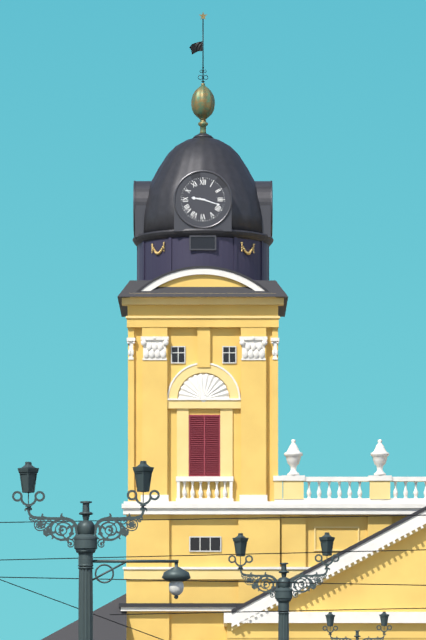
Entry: 9h18
